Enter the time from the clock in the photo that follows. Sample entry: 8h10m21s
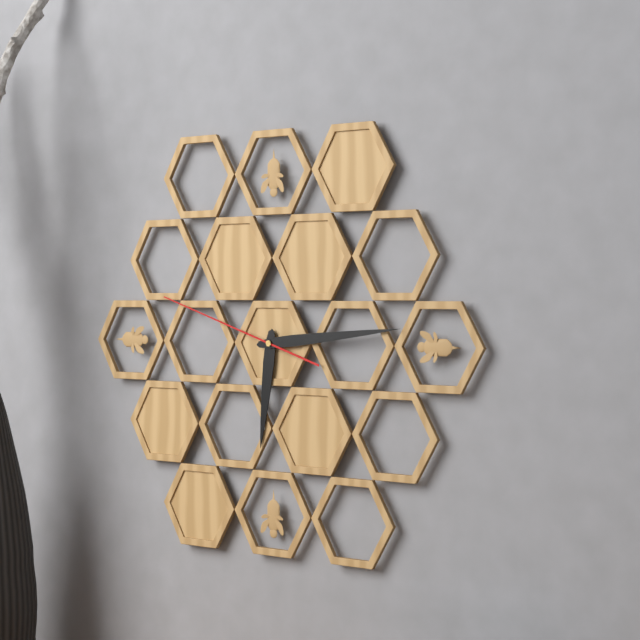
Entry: 6h14m48s
